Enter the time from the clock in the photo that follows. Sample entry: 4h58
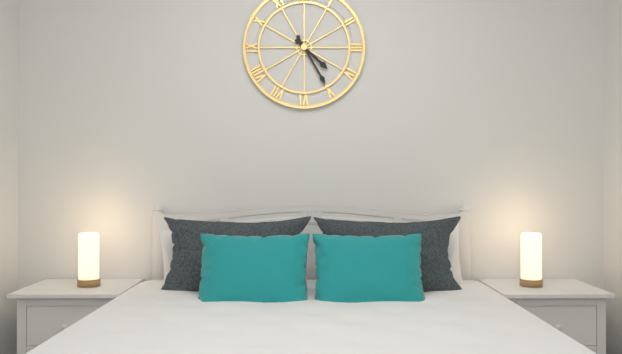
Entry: 4h25
